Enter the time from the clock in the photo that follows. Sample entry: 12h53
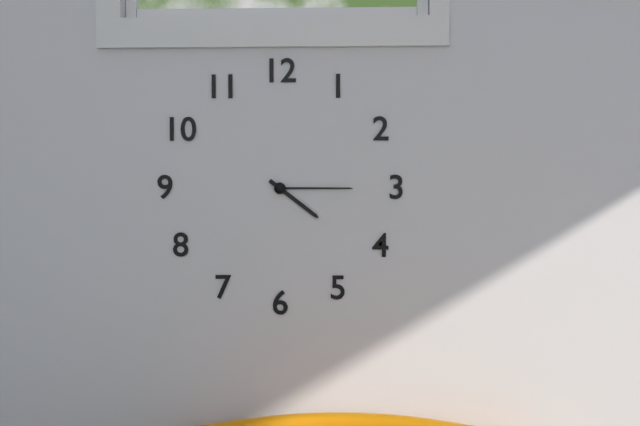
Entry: 4h15
